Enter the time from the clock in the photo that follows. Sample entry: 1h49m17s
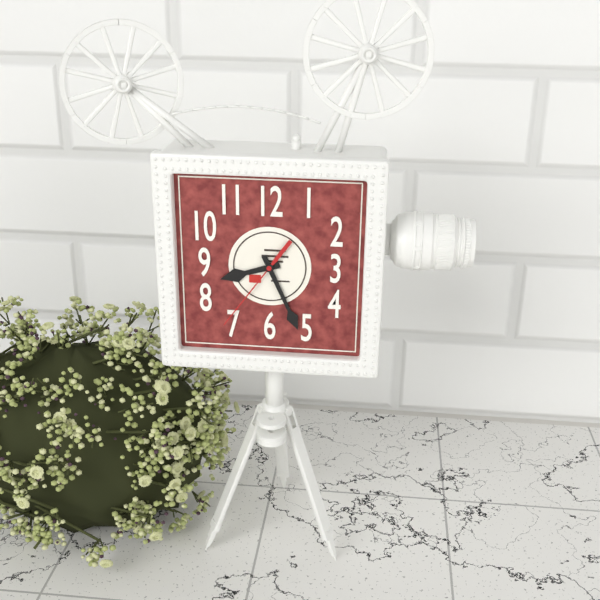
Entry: 8h26m36s
